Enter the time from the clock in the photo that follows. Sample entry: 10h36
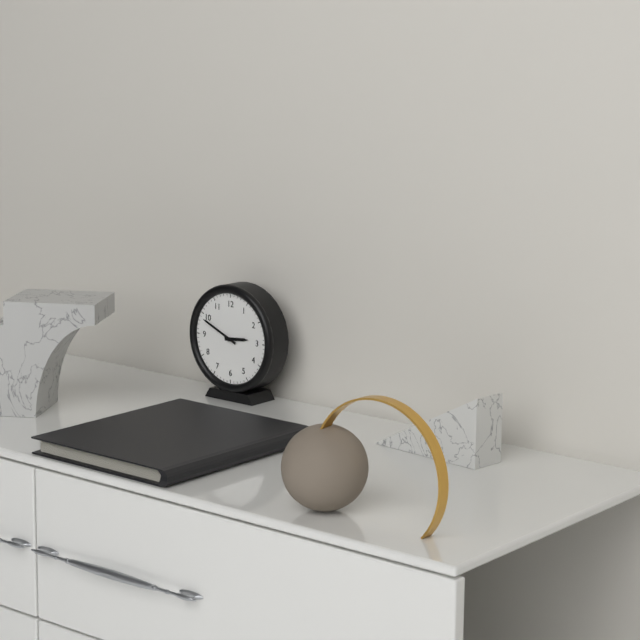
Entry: 2h49
